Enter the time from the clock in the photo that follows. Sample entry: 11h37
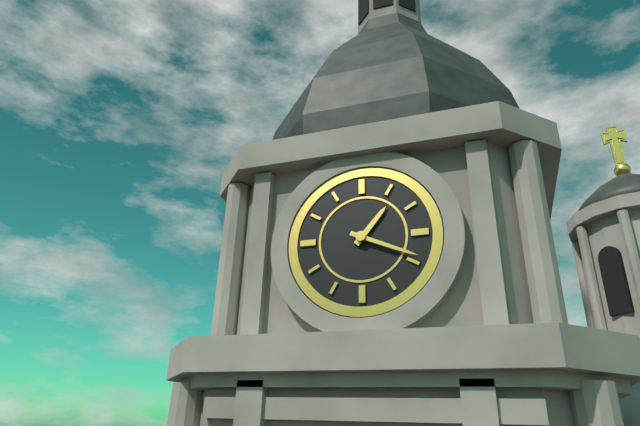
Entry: 1h19
